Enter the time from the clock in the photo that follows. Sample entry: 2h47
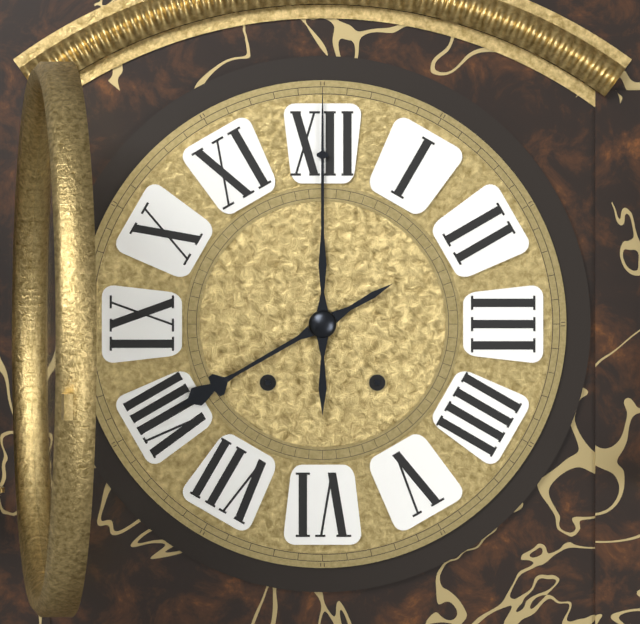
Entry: 8h00
